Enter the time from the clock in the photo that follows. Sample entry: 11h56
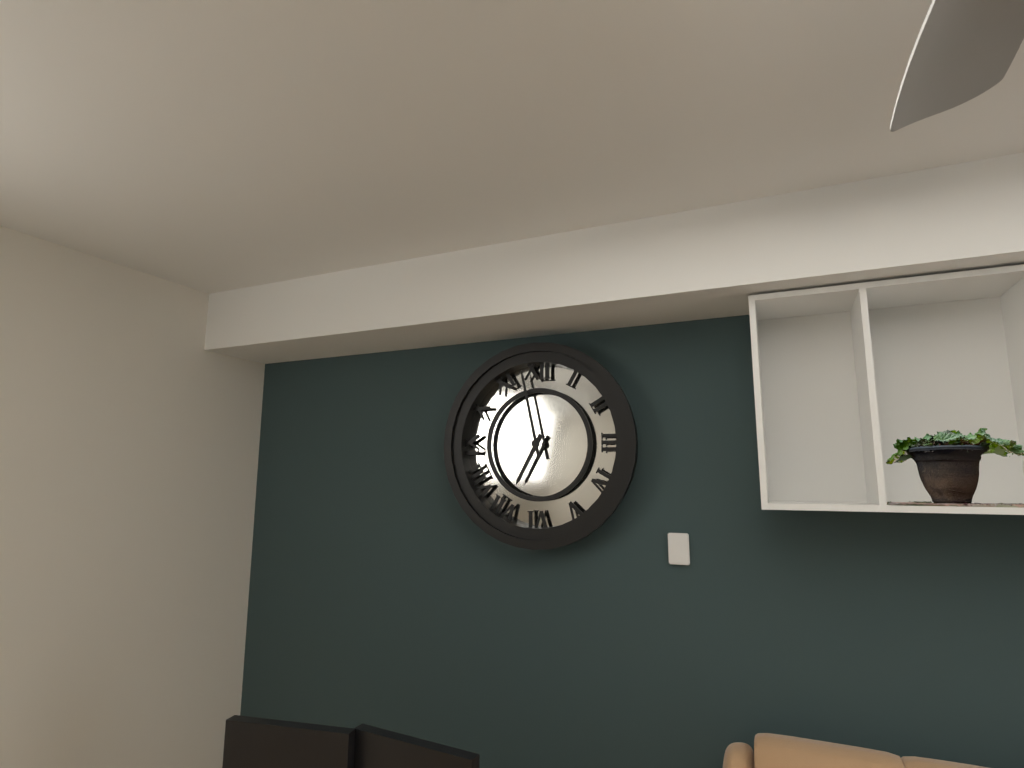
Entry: 6h58
